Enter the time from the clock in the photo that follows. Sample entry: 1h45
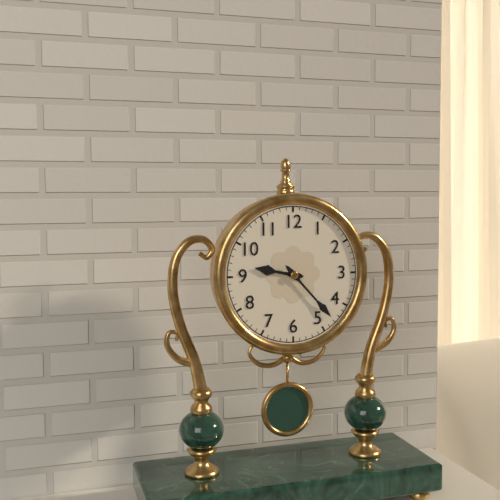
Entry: 9h23
